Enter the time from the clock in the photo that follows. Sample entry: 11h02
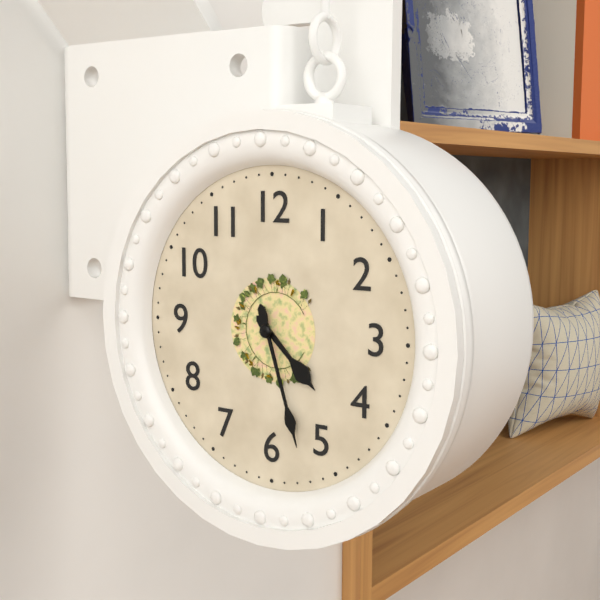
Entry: 4h27
